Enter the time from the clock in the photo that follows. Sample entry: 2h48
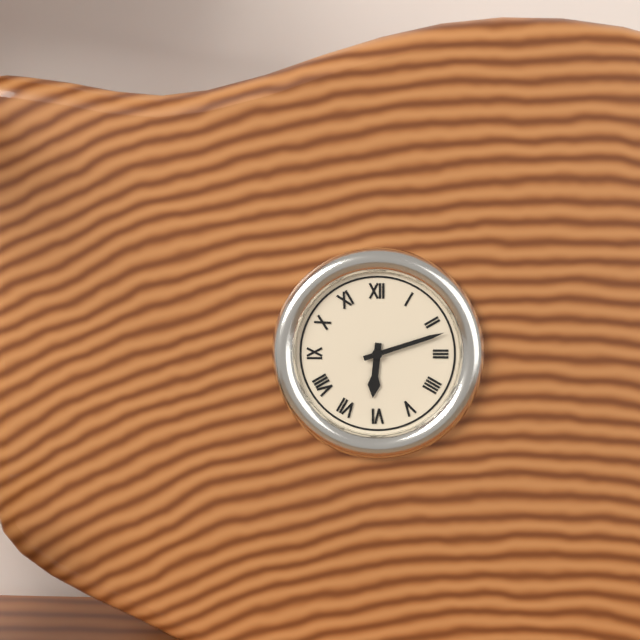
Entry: 6h12
